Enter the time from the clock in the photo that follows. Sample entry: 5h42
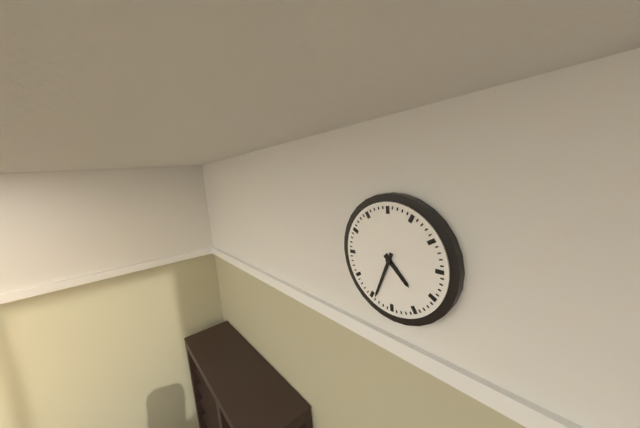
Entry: 4h34
